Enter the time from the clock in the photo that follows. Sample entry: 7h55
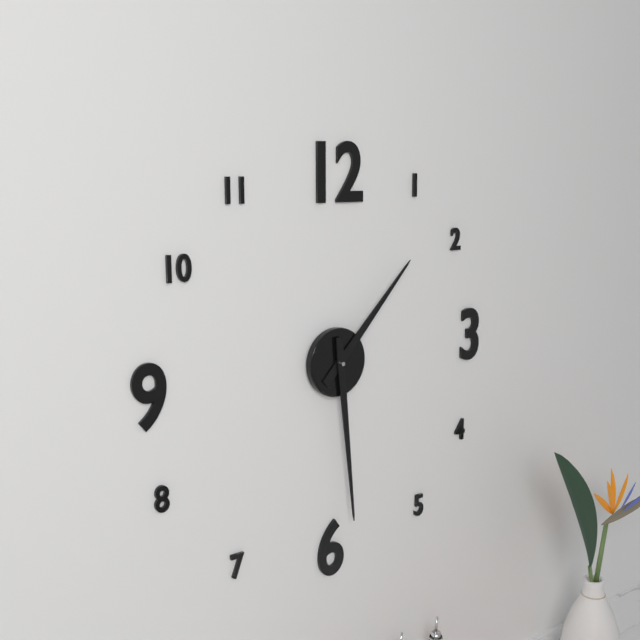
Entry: 1h29
